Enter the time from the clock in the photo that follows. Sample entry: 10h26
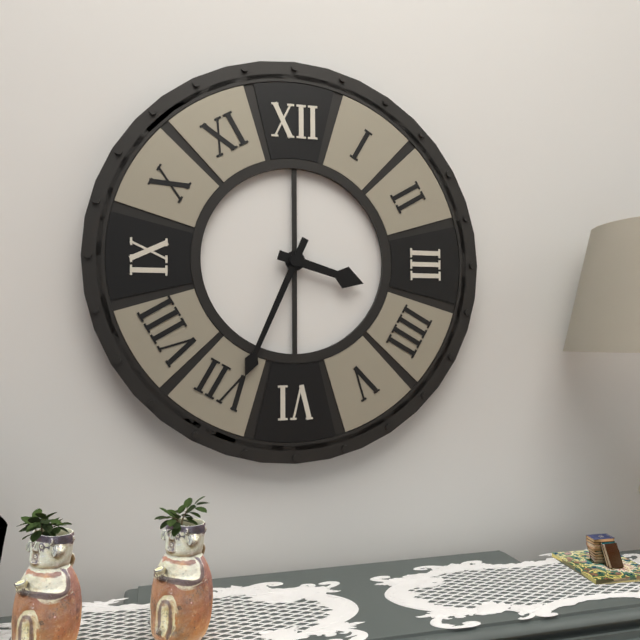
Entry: 3h34
